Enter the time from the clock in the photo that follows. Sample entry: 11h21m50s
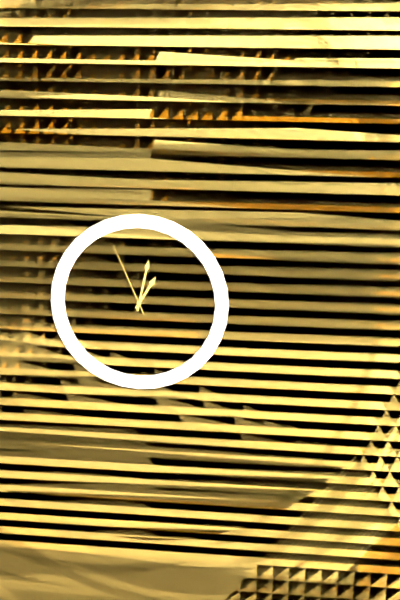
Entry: 1h02m56s
